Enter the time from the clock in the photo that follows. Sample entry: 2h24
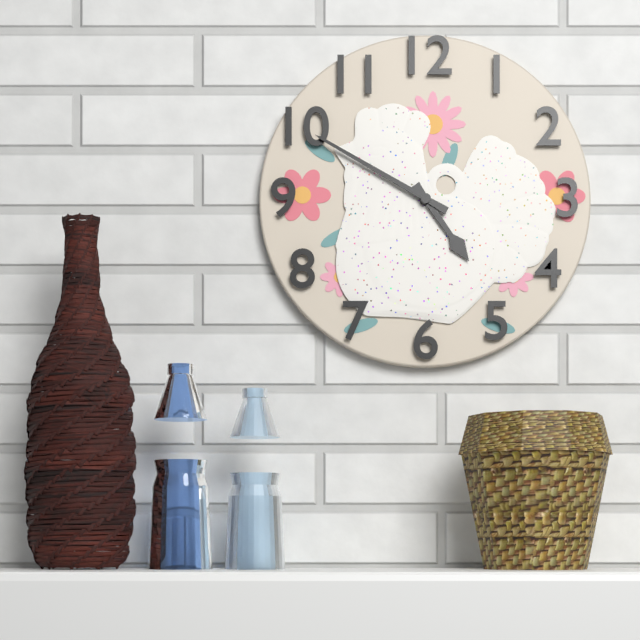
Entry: 4h50
